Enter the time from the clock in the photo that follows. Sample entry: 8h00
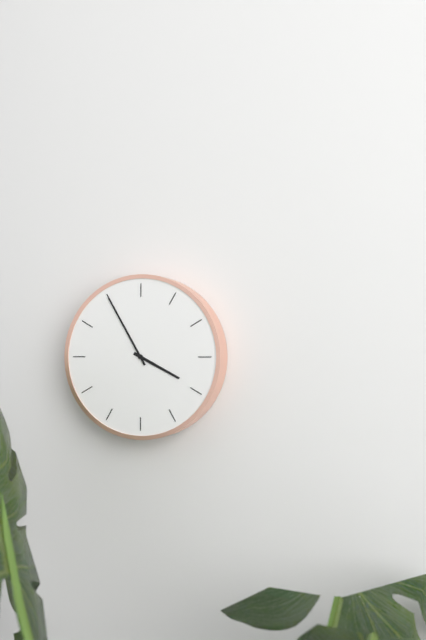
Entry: 3h55
